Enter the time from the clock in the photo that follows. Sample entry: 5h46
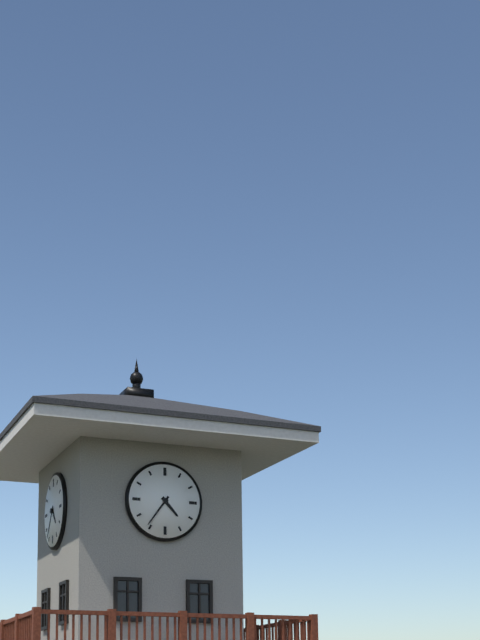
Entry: 4h36
